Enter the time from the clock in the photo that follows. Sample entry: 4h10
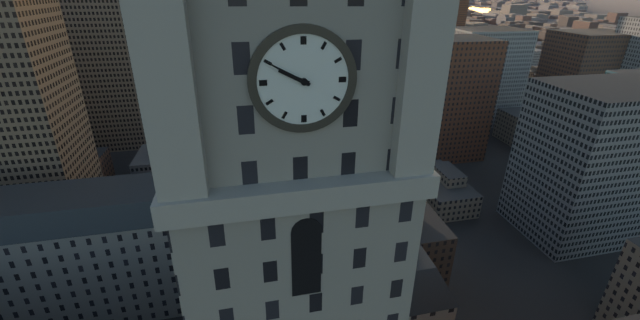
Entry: 9h50
